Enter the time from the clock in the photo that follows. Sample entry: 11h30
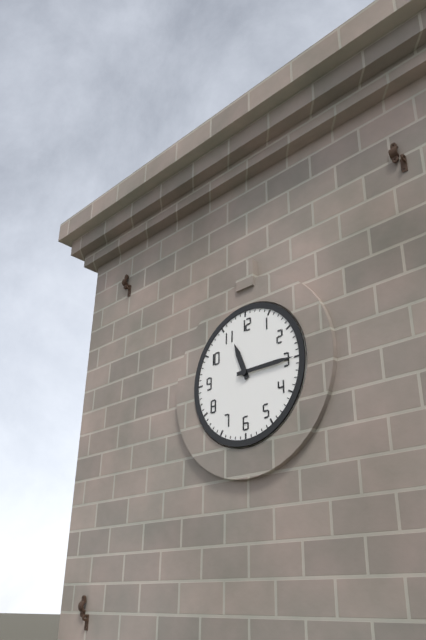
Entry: 11h15
